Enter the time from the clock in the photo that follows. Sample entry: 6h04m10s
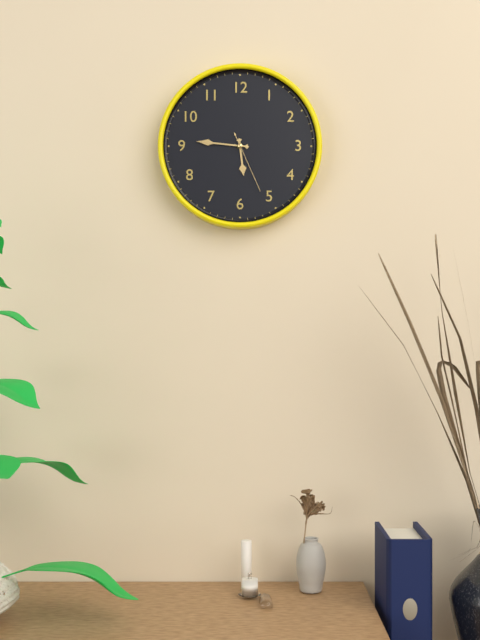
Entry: 5h46m26s
